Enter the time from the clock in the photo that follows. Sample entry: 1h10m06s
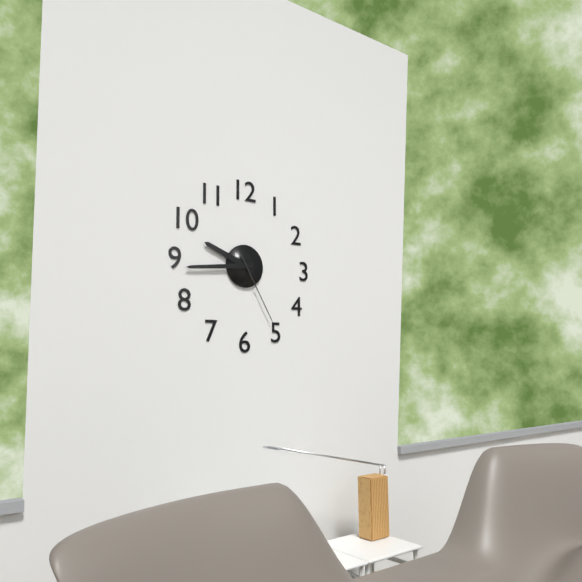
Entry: 9h44m25s
